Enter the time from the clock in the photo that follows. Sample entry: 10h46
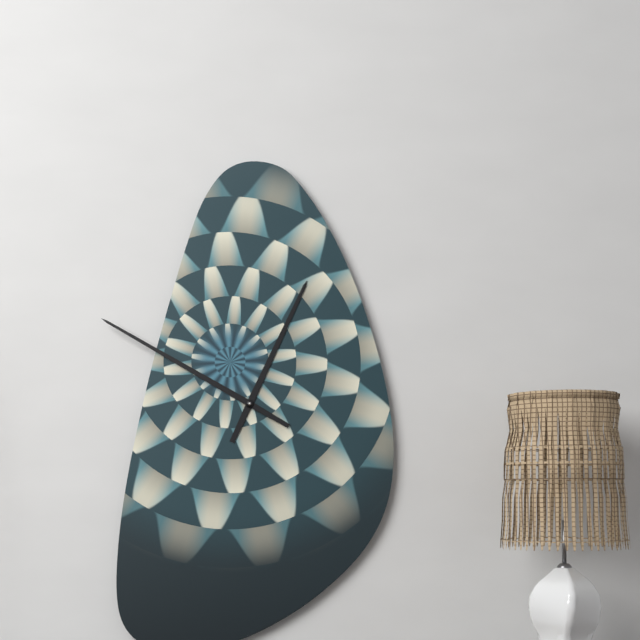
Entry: 12h50
